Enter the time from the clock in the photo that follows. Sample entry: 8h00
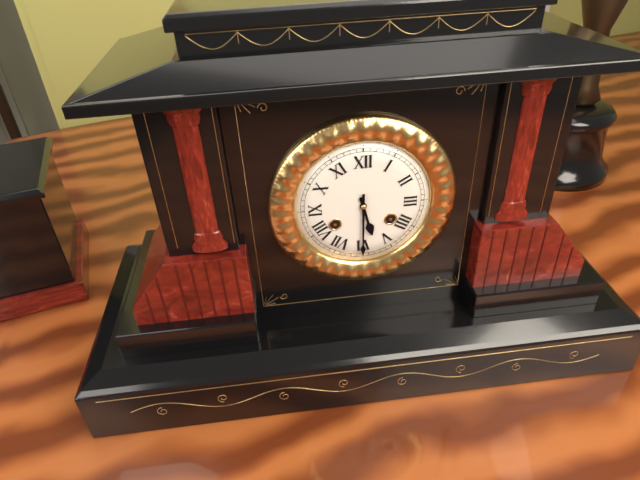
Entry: 5h30
